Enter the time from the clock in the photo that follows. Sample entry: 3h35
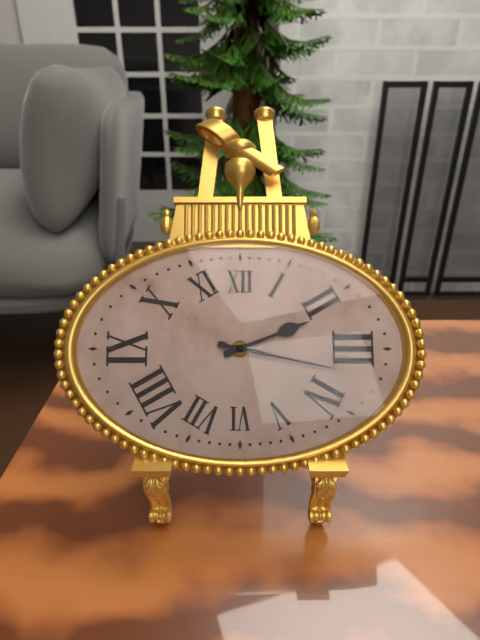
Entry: 2h17
